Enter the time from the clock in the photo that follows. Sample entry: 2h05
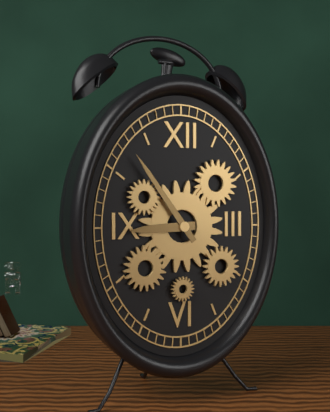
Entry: 8h54
